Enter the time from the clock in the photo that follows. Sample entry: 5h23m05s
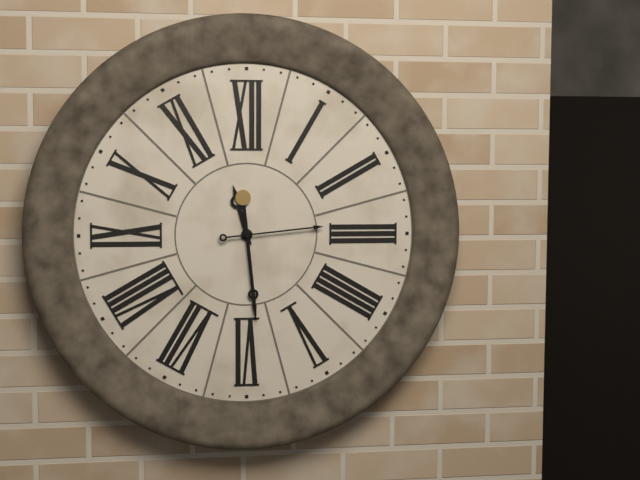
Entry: 11h29m14s
